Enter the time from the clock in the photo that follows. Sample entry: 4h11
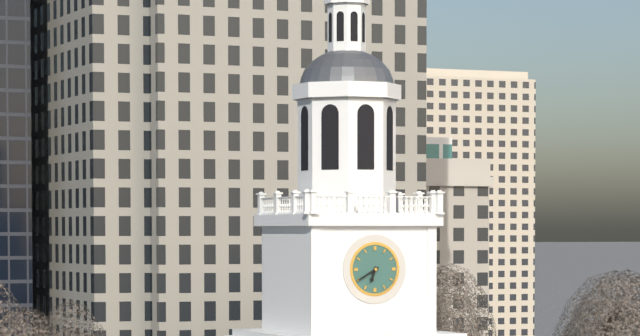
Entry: 6h40
